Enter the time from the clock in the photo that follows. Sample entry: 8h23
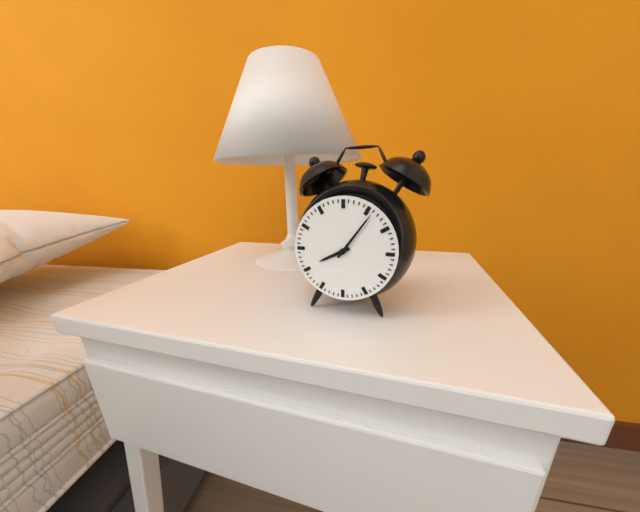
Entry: 8h06
